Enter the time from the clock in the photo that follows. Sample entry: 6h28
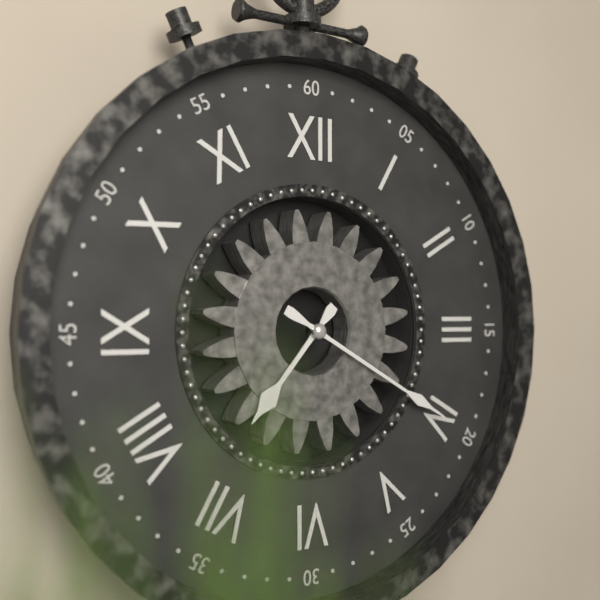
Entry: 7h20
